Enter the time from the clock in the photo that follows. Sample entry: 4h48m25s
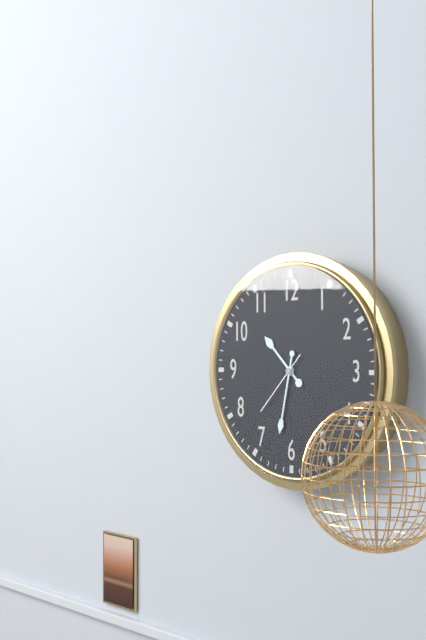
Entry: 10h32m37s
